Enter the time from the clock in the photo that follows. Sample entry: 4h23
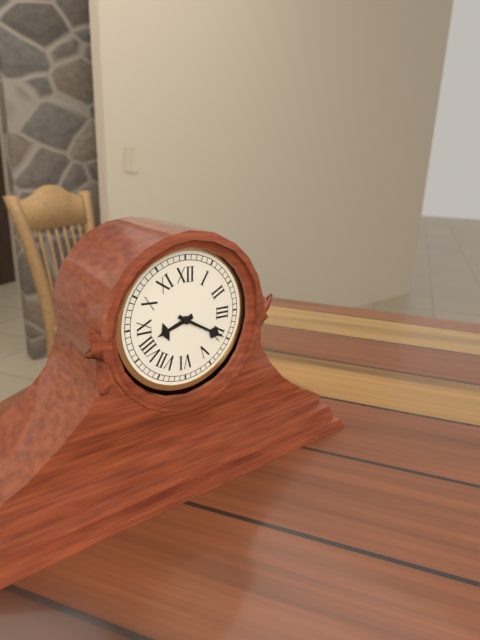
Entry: 8h20
